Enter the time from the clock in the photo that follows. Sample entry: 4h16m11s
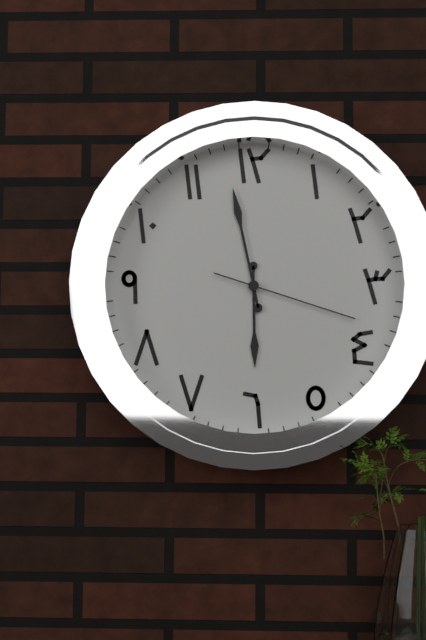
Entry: 5h58m18s
